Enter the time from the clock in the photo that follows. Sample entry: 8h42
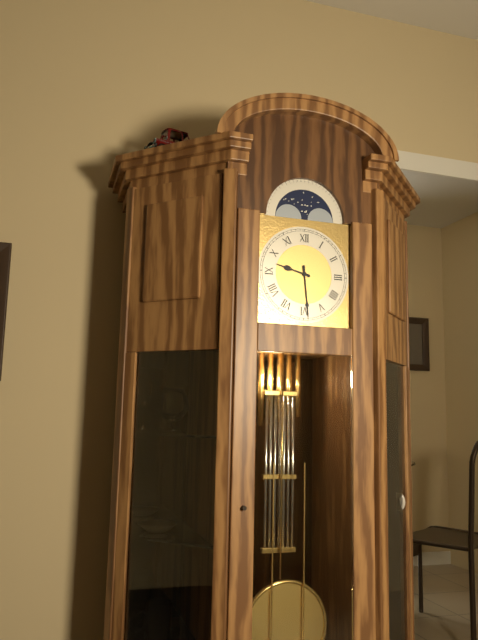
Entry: 9h29
